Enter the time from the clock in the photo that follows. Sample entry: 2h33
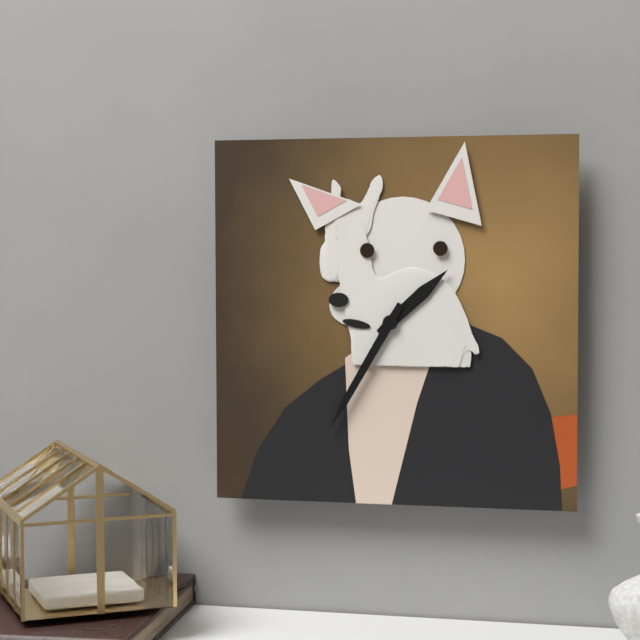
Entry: 1h35
